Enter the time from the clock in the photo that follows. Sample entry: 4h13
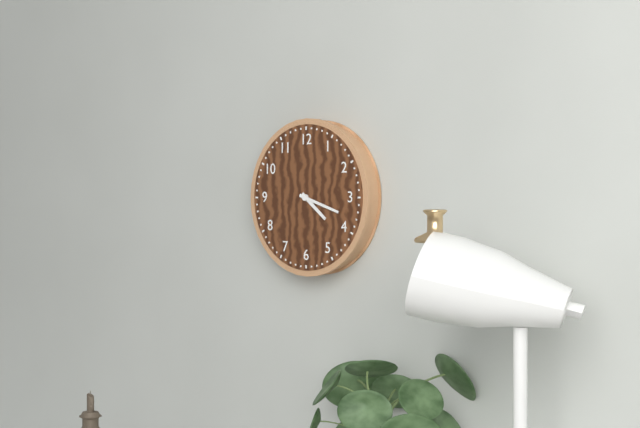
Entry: 4h18
